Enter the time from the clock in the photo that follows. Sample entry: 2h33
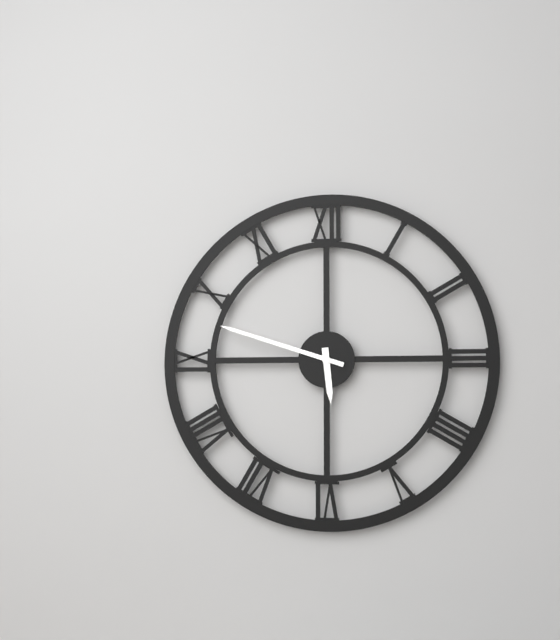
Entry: 5h48
